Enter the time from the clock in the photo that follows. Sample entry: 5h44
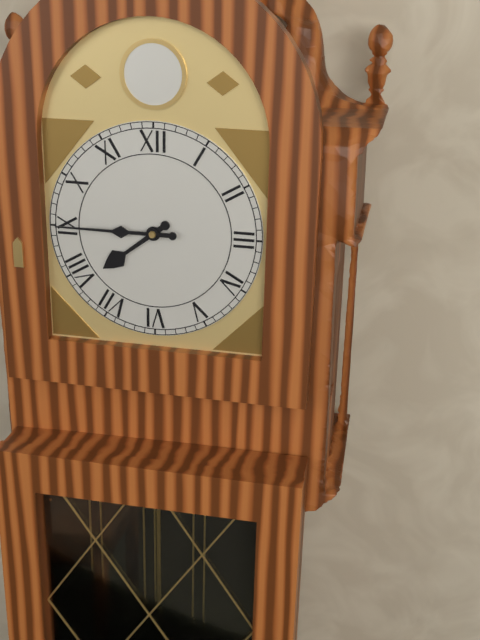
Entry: 7h45
